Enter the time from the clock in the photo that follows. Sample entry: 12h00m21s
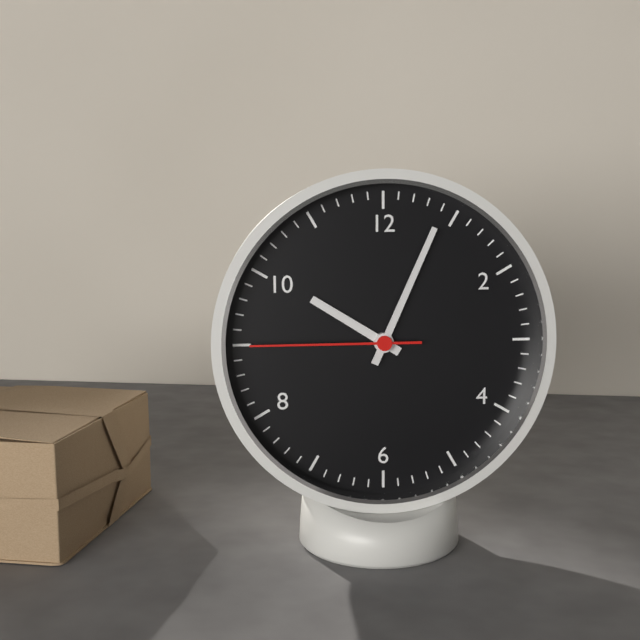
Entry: 10h04m45s
